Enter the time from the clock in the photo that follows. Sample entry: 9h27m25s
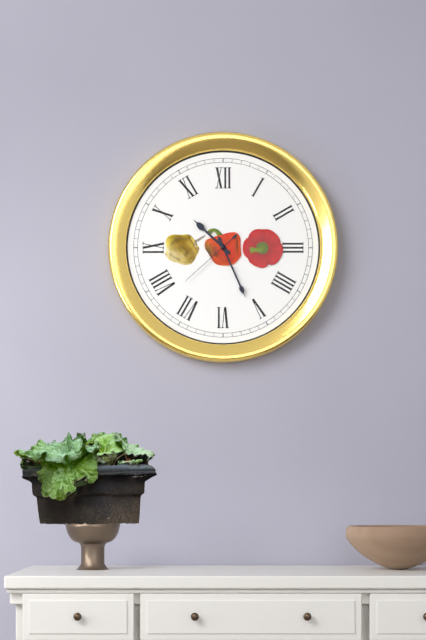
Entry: 10h26m38s
